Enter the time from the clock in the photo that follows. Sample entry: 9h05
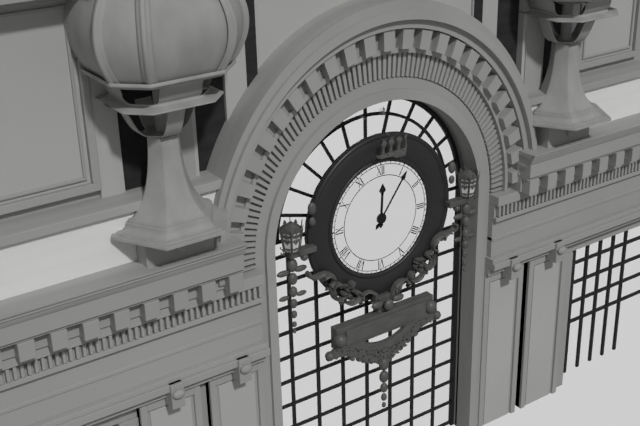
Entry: 12h06
